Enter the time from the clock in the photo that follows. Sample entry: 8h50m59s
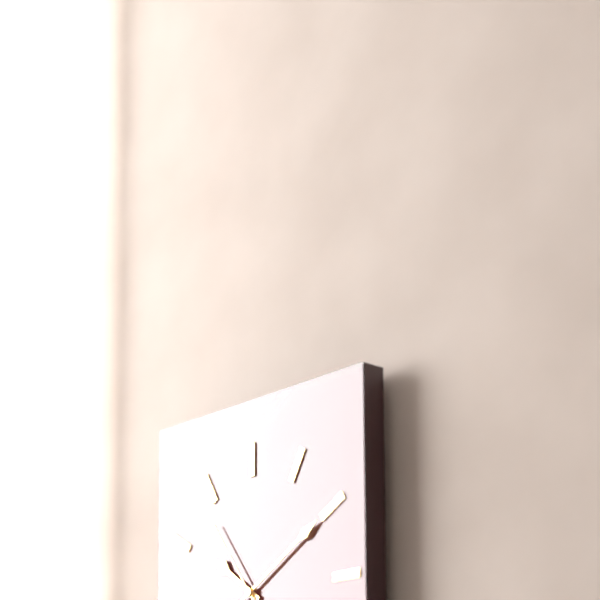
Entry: 10h10m54s
